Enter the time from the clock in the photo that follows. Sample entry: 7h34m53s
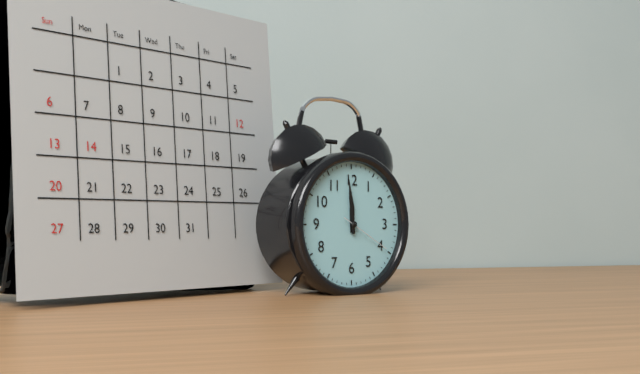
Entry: 11h59m20s
